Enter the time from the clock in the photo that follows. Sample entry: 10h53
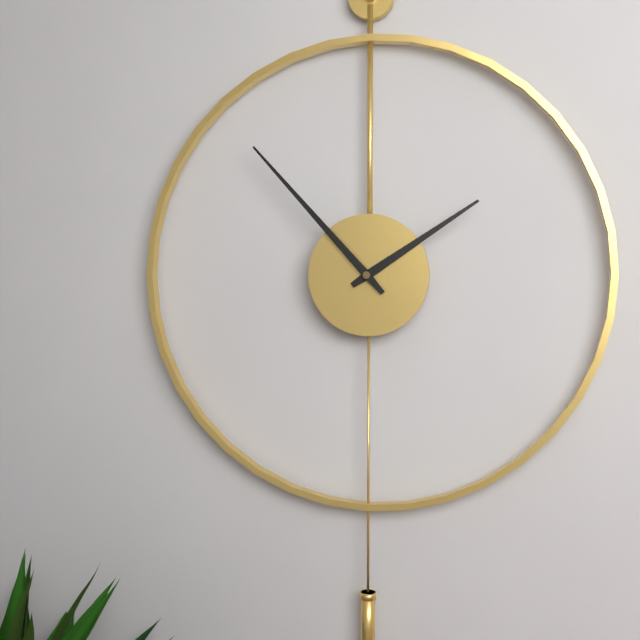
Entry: 1h53
